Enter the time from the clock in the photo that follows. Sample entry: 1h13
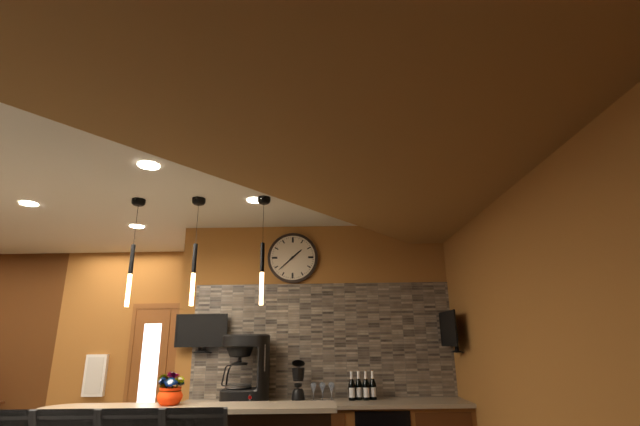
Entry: 1h38
